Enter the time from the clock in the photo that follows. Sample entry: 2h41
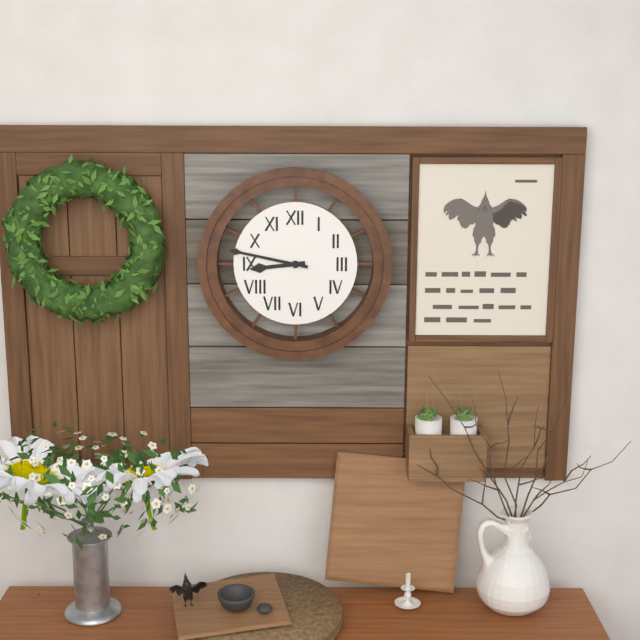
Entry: 8h47
